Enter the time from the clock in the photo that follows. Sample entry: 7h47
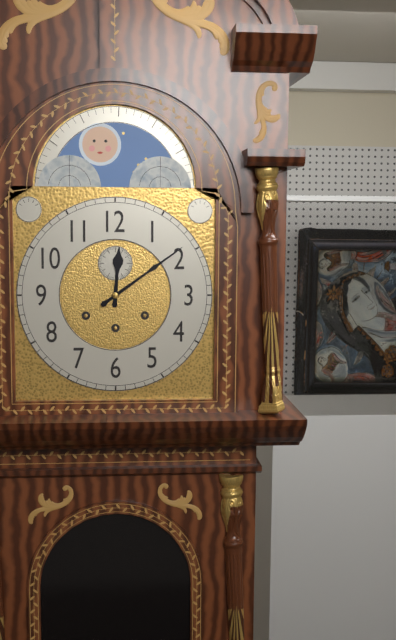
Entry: 12h09
